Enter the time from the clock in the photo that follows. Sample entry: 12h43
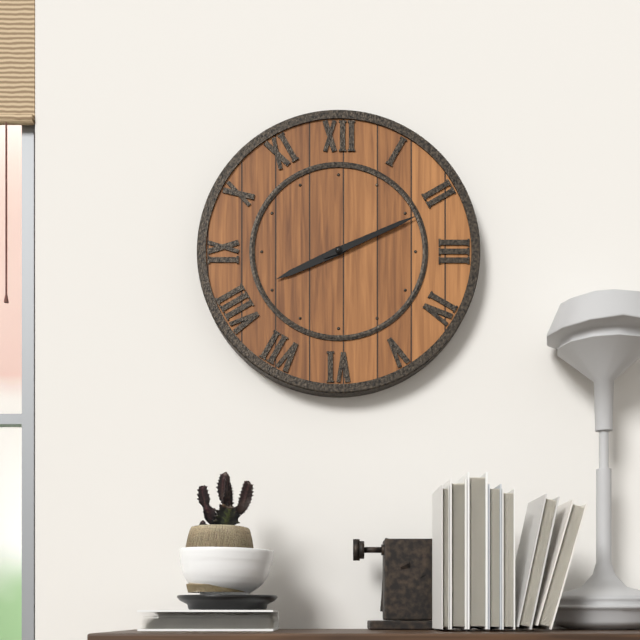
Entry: 8h11
